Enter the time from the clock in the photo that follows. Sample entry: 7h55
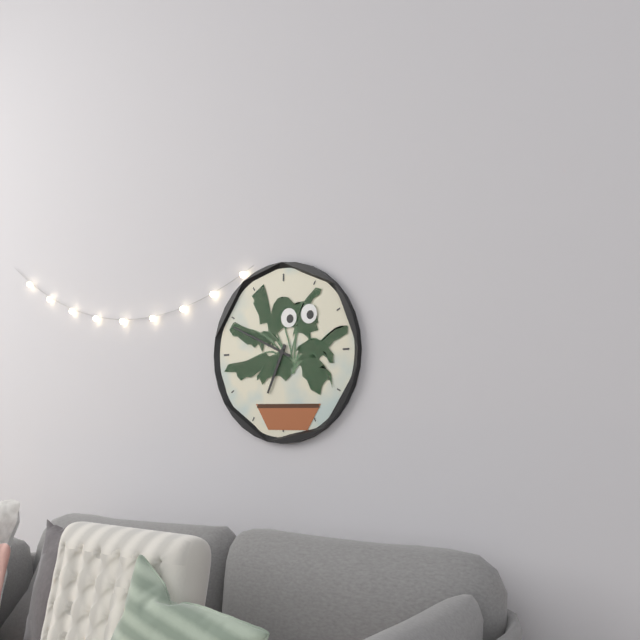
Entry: 6h49
